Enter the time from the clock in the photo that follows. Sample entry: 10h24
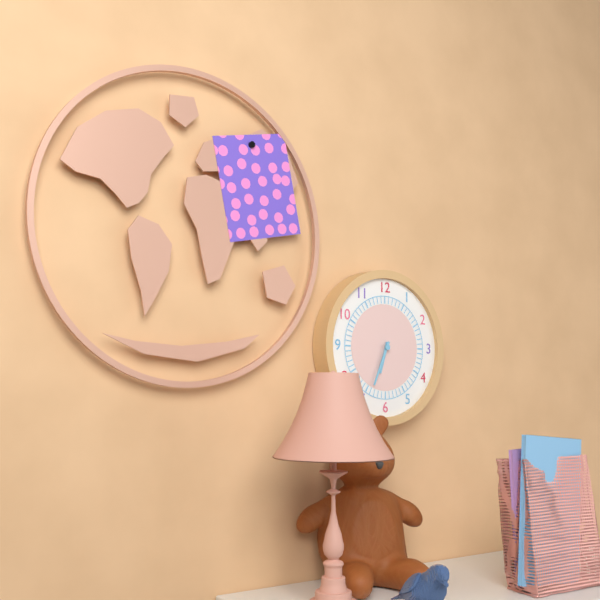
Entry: 6h34
